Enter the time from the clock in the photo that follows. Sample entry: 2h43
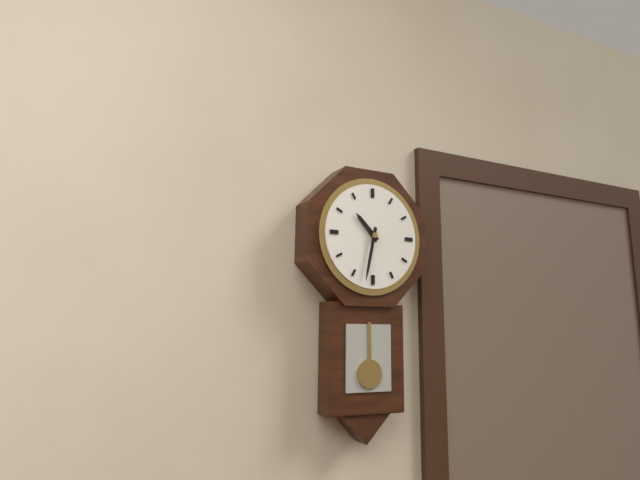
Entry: 10h32
